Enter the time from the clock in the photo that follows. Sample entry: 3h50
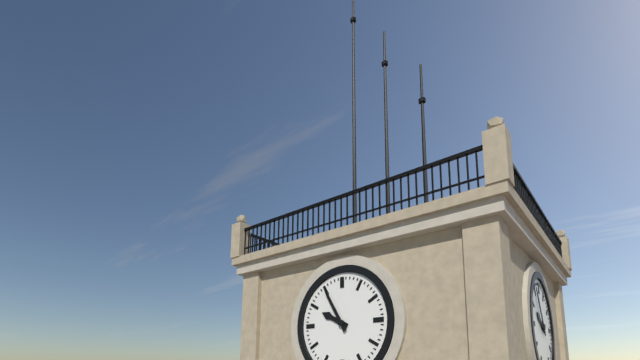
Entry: 9h55
